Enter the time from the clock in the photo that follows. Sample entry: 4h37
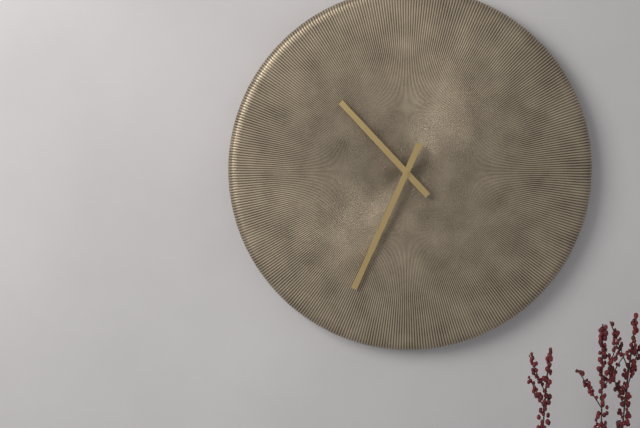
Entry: 10h34
